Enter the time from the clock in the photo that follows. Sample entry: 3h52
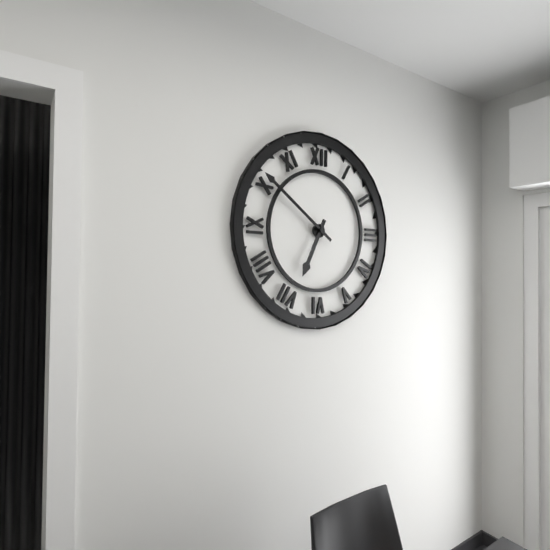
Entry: 6h51
